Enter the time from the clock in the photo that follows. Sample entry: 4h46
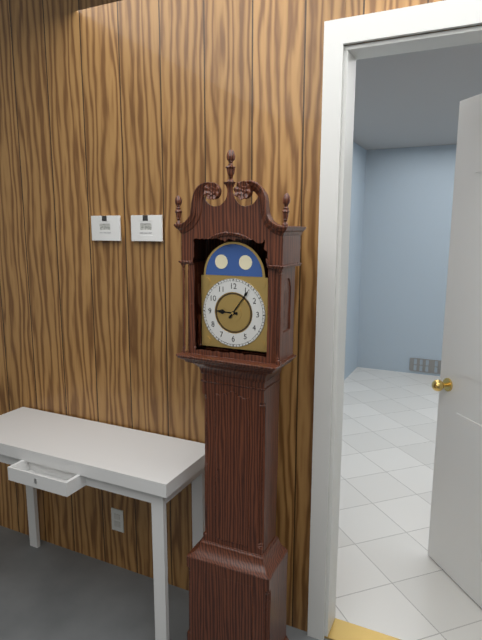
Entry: 9h06
